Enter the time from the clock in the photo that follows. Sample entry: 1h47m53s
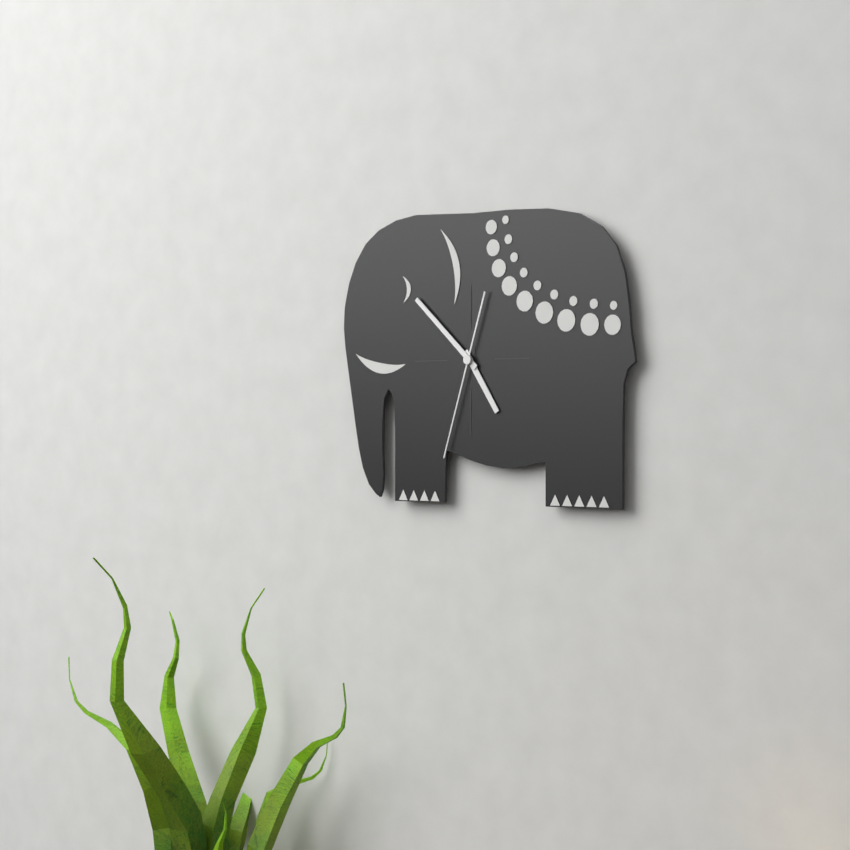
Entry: 4h52m33s
